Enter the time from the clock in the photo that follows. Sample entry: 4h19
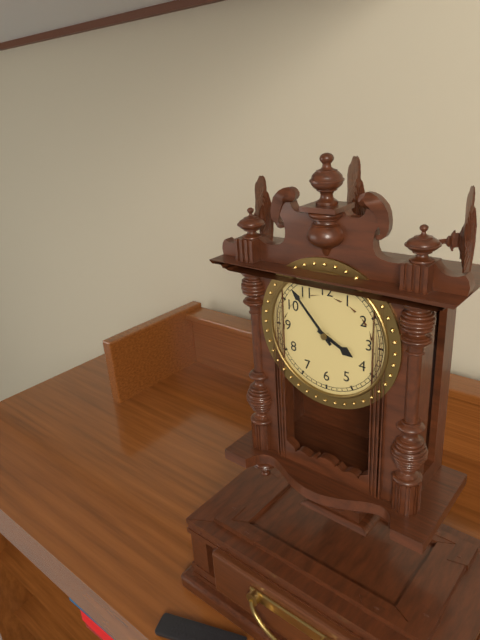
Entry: 3h53
